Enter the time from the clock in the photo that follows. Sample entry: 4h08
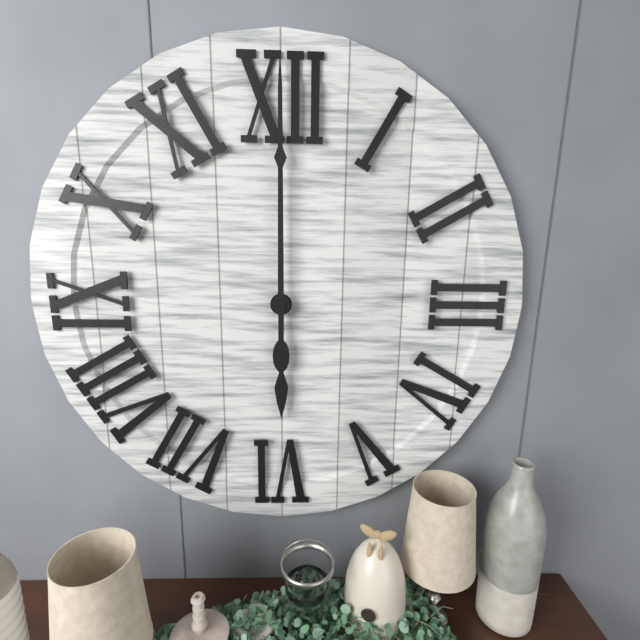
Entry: 6h00
